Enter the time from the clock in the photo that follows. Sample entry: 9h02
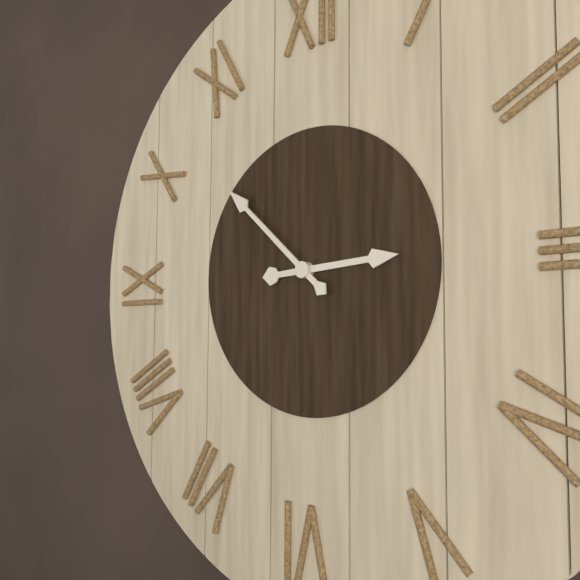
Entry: 2h52
